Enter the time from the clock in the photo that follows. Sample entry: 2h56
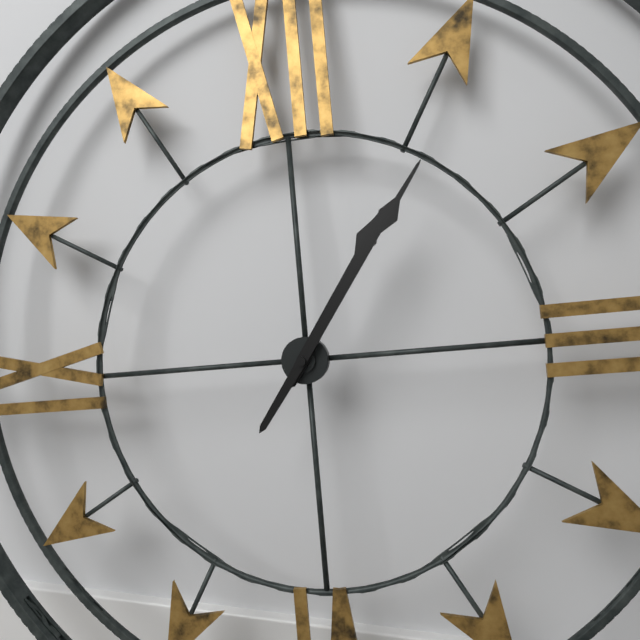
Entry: 1h06
